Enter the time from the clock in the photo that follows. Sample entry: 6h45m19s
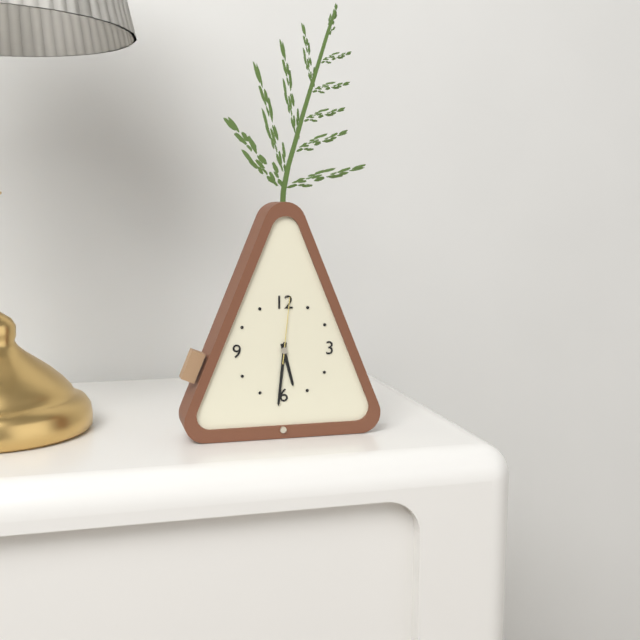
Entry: 5h31m01s
